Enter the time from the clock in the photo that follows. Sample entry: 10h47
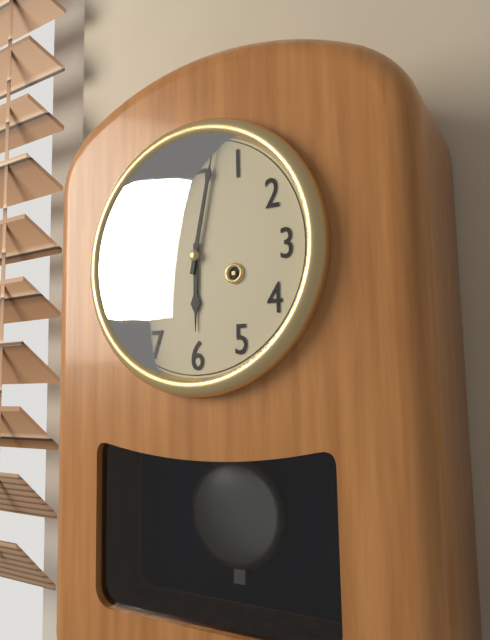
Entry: 6h02
